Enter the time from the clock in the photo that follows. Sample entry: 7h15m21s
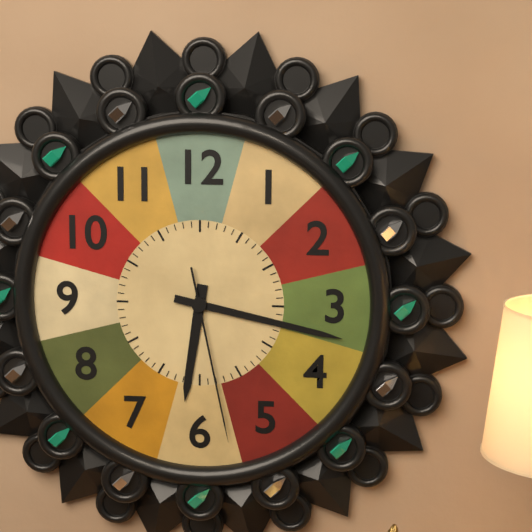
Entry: 6h17m28s
